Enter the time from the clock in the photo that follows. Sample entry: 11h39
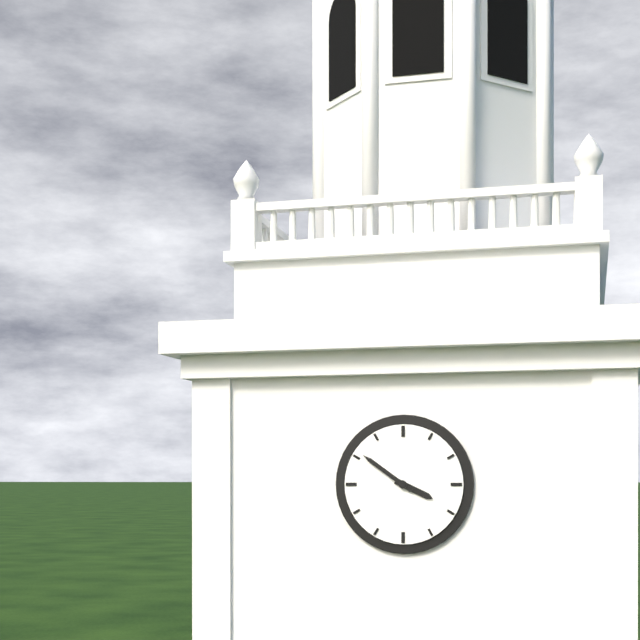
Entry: 3h51
